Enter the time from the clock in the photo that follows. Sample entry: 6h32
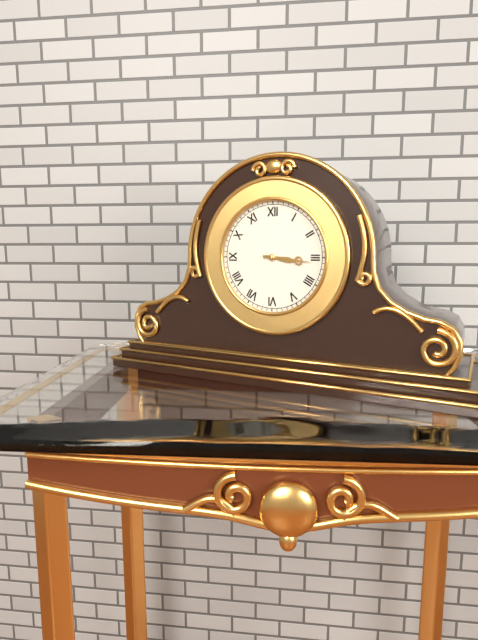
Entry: 3h16
